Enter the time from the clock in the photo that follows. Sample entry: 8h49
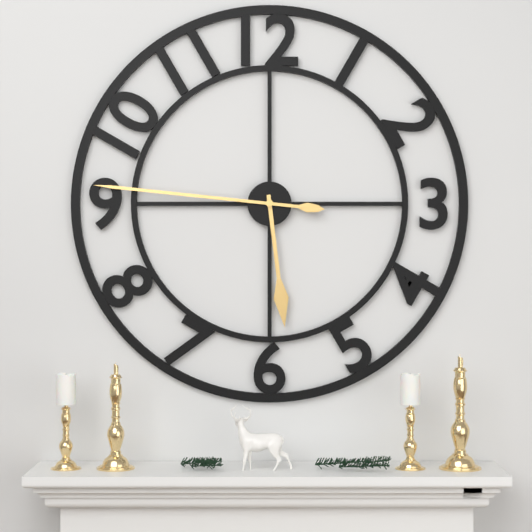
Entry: 5h46
